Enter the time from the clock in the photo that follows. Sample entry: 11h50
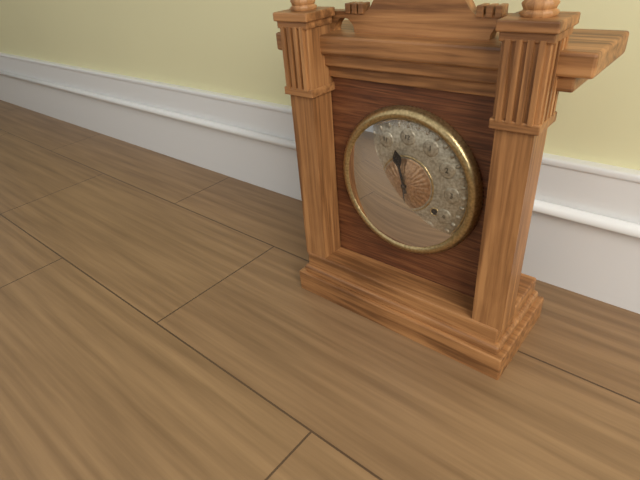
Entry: 11h29
